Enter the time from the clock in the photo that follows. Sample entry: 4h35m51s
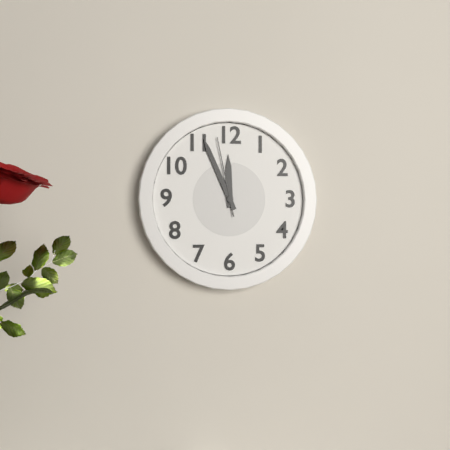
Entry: 11h56m58s
